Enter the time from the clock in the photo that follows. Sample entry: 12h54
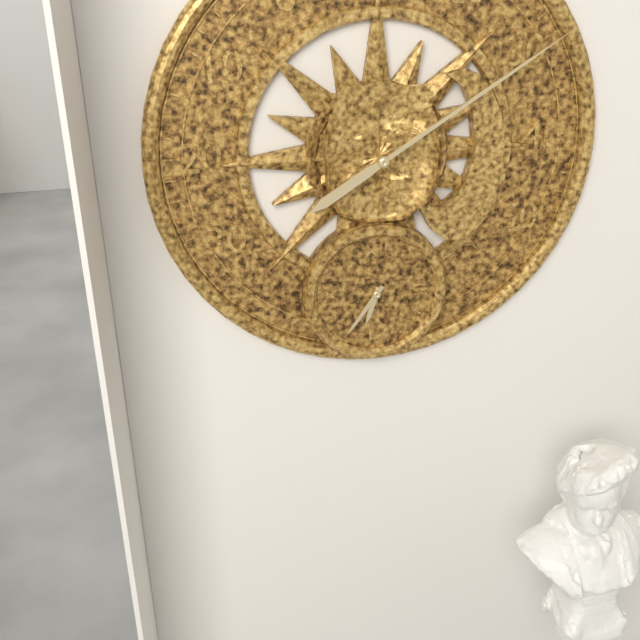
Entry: 6h36
